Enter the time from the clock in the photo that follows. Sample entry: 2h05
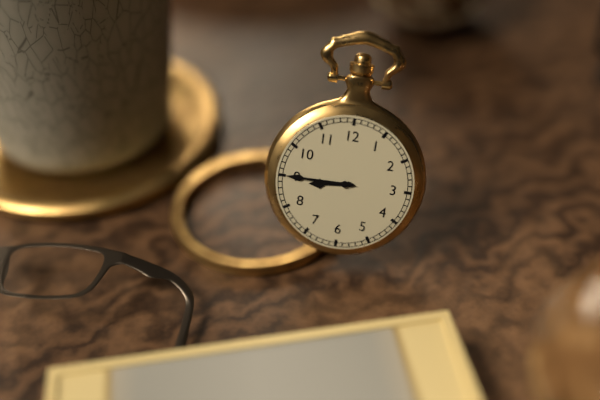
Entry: 8h45
